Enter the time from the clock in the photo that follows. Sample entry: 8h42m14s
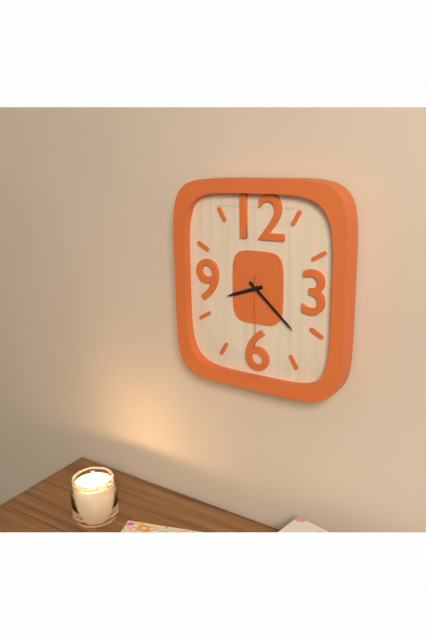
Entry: 8h22m30s
